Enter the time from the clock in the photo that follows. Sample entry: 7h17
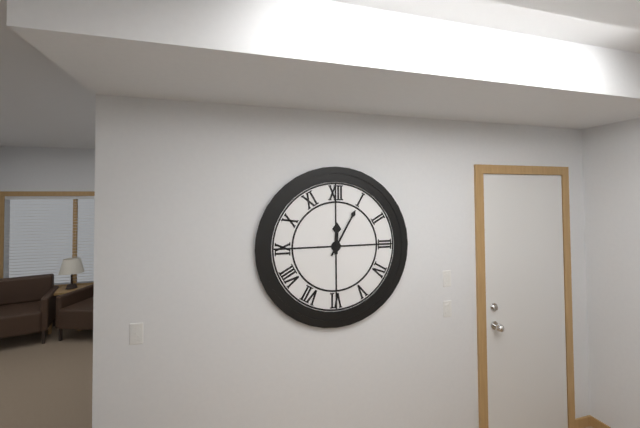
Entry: 12h05
